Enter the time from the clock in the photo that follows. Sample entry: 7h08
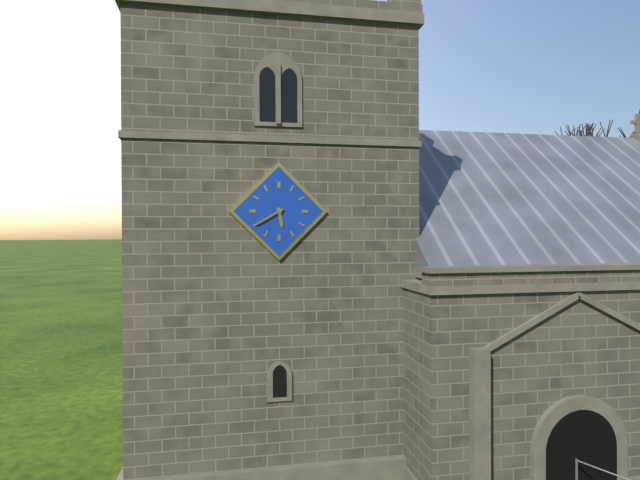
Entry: 5h40
